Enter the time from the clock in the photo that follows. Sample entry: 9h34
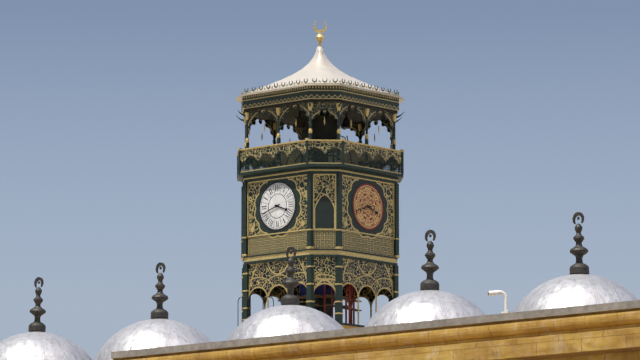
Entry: 3h42
